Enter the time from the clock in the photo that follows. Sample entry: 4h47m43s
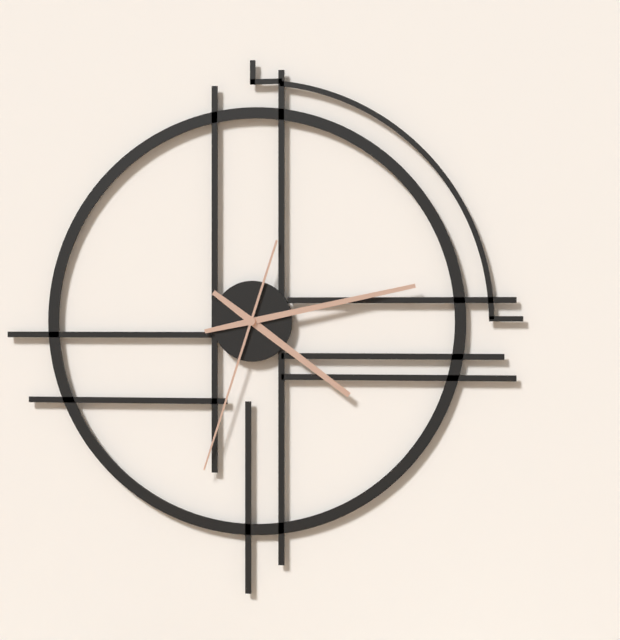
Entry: 4h13m33s
